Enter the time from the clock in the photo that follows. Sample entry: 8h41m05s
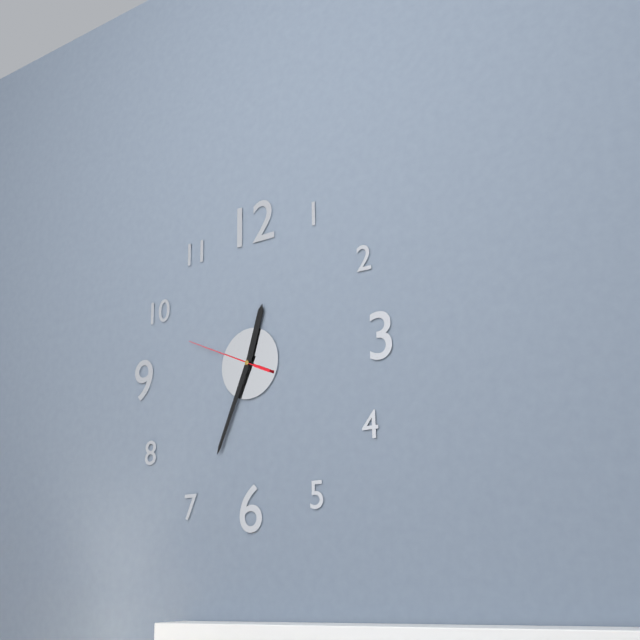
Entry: 12h34m49s
